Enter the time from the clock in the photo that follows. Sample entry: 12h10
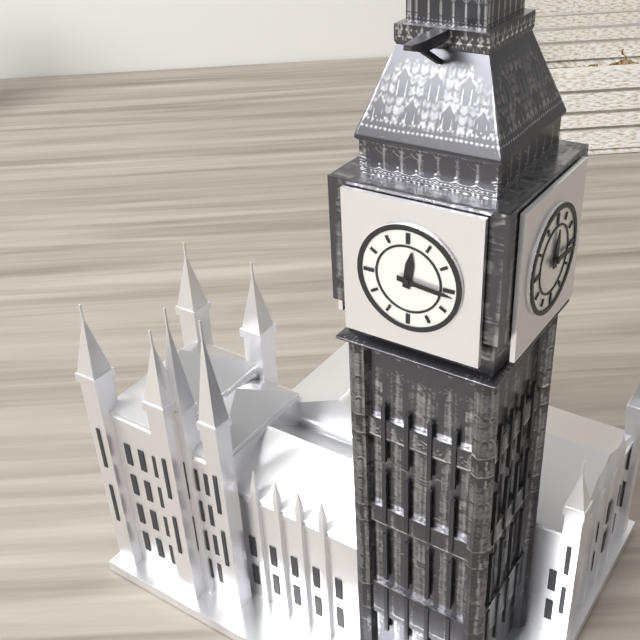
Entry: 12h16
